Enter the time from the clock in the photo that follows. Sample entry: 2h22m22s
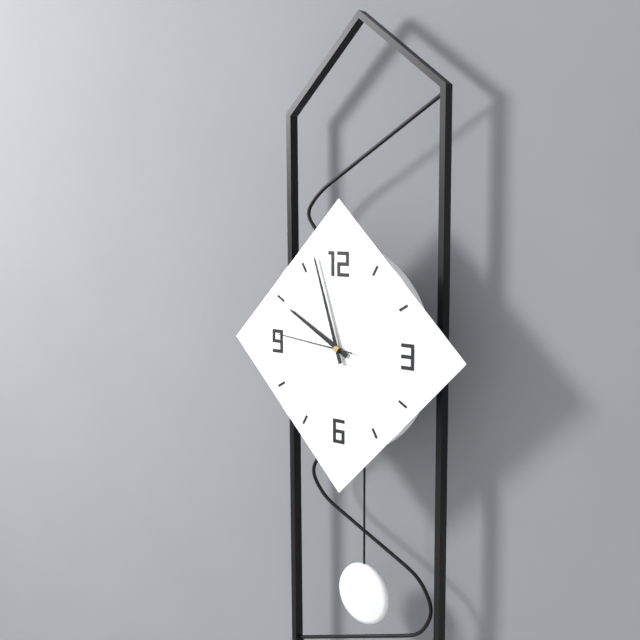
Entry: 9h57m46s
